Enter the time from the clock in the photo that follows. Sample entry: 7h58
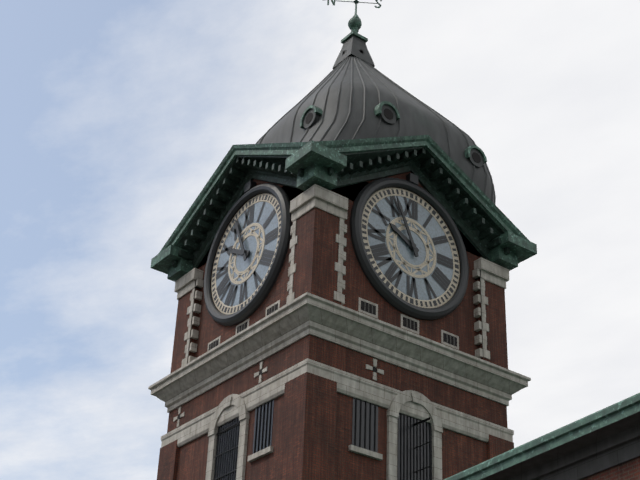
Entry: 9h56
